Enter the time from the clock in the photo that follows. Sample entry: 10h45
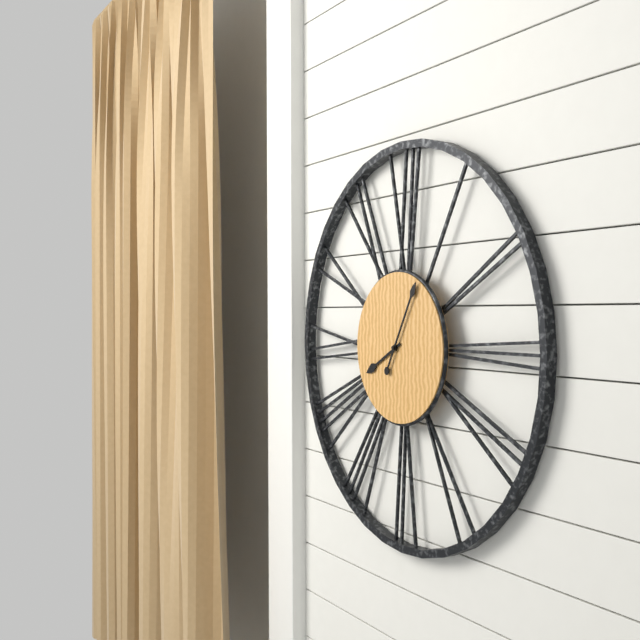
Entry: 8h05
